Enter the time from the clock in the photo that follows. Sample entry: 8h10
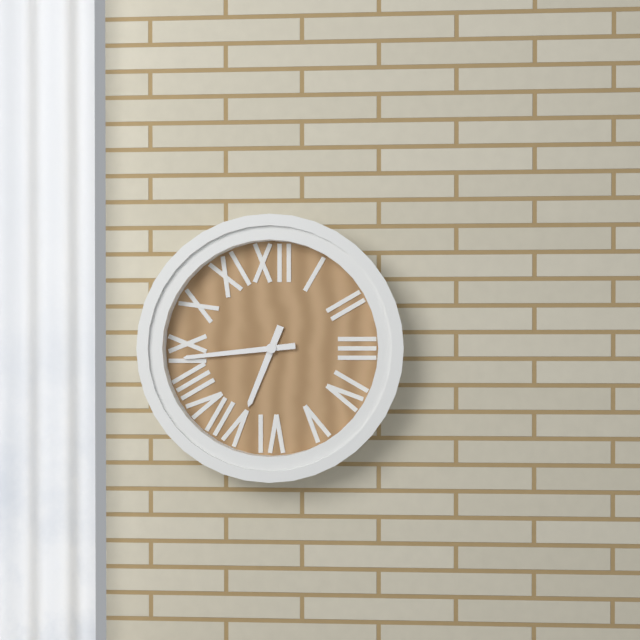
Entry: 6h44
